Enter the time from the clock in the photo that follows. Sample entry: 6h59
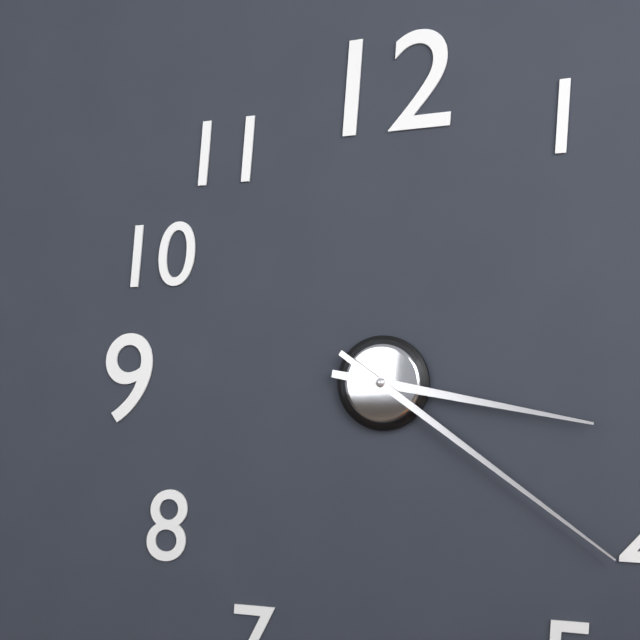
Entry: 3h21
